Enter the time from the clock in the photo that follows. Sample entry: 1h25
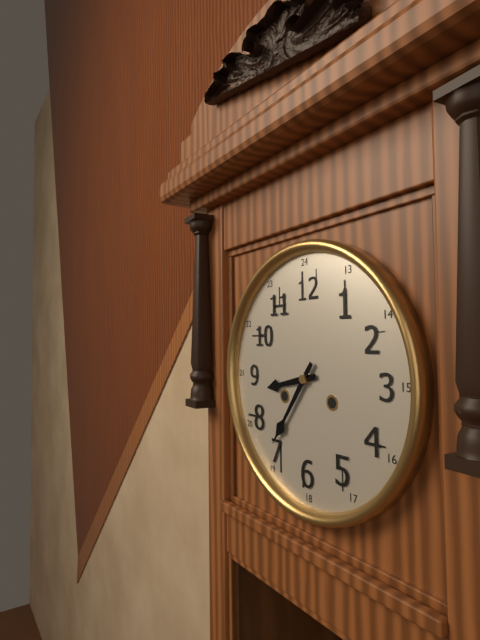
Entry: 8h36
